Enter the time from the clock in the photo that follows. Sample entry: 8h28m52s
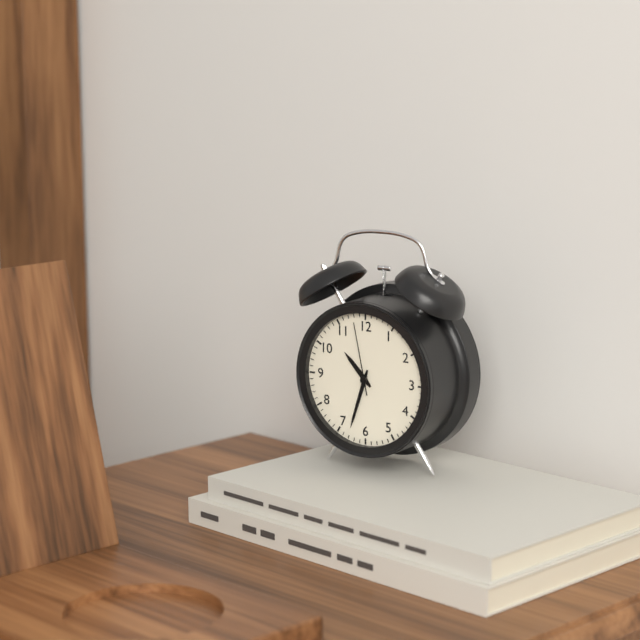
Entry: 10h33m58s
